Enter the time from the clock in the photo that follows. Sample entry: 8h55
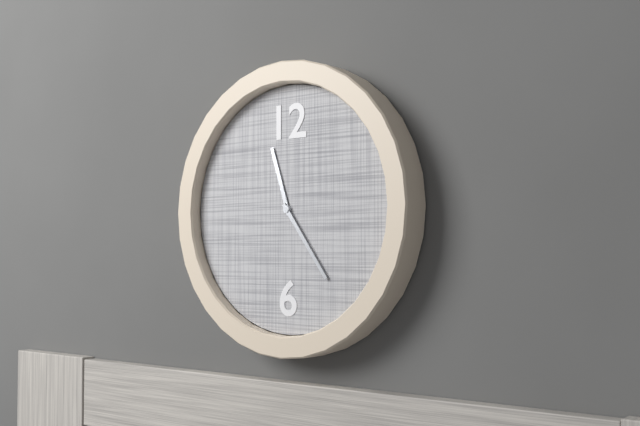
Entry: 11h24
